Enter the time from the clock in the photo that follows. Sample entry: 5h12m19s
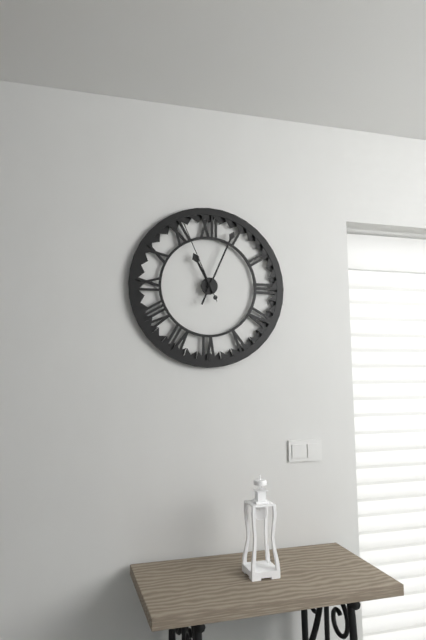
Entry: 11h04m56s
